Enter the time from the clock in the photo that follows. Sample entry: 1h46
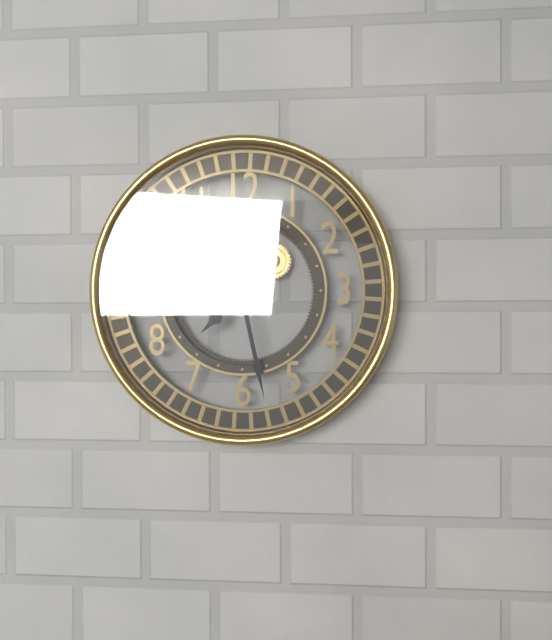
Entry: 7h28
